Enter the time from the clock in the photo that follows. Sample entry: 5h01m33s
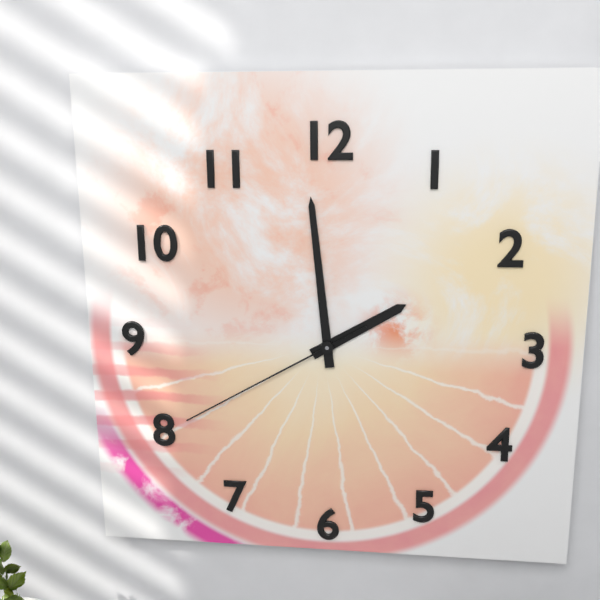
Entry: 1h59m40s
